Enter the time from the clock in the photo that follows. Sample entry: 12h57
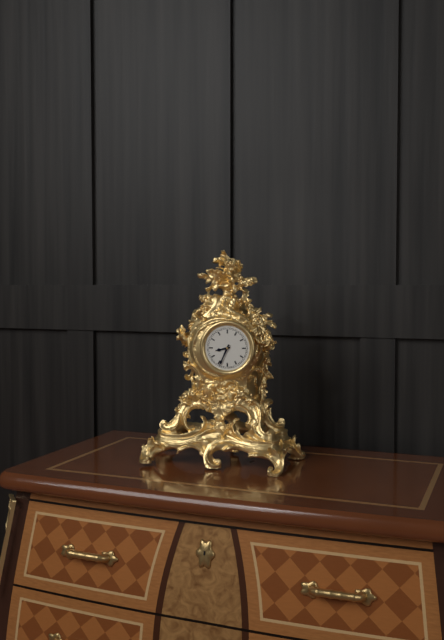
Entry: 8h34
